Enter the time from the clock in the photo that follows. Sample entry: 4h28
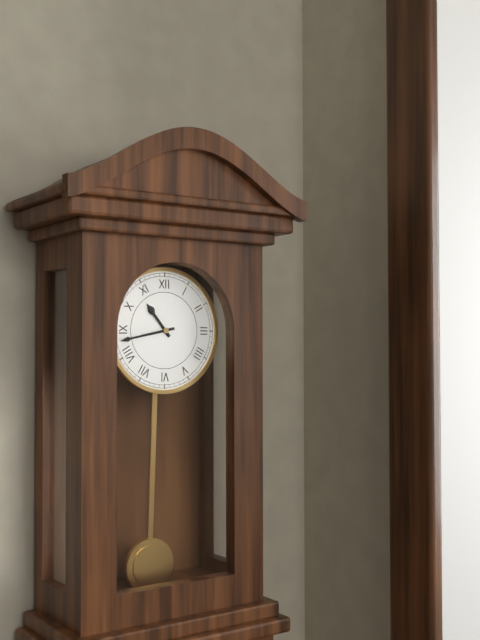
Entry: 10h43
